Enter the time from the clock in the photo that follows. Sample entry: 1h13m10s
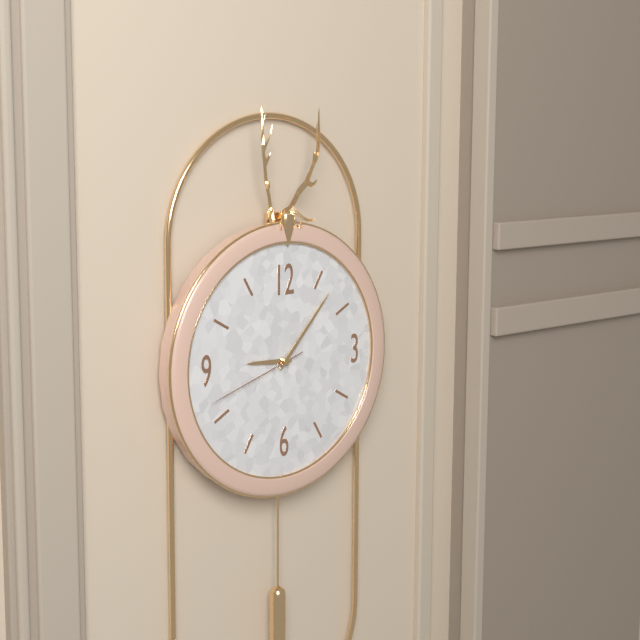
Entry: 9h07m42s
